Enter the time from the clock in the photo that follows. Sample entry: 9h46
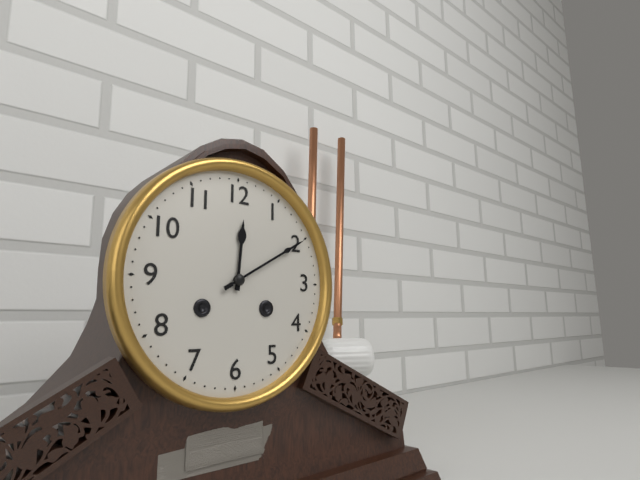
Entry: 12h10
